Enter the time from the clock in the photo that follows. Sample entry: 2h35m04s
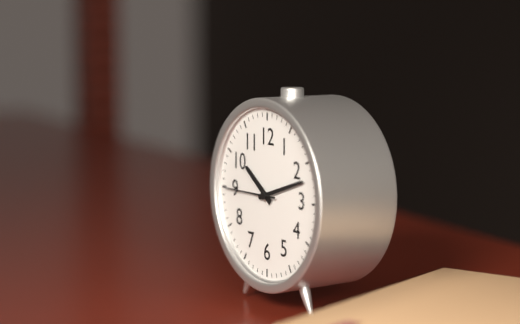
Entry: 10h12m45s
